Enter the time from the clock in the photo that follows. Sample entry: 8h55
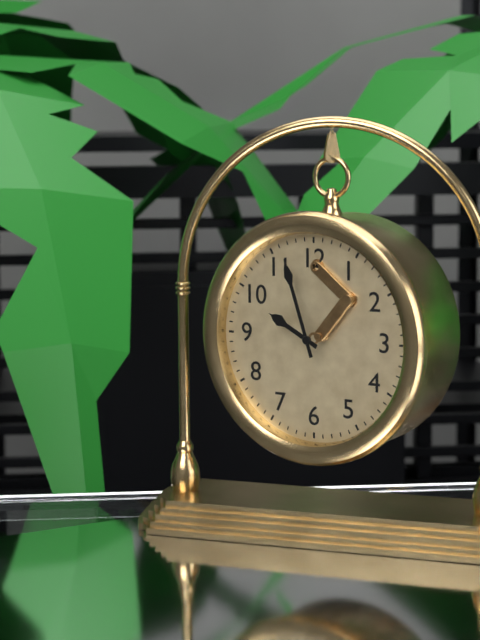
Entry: 9h57
